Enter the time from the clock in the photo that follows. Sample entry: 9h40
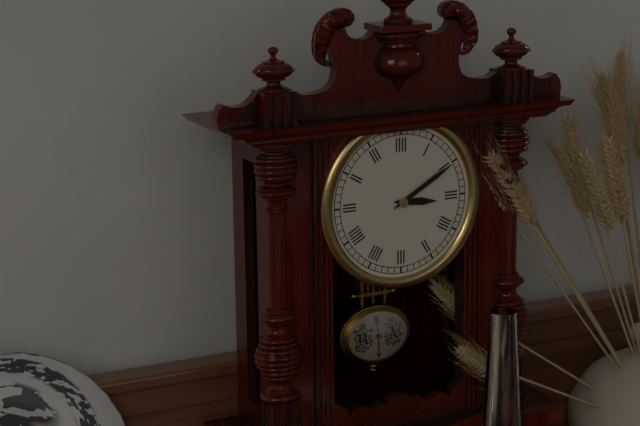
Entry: 3h10
